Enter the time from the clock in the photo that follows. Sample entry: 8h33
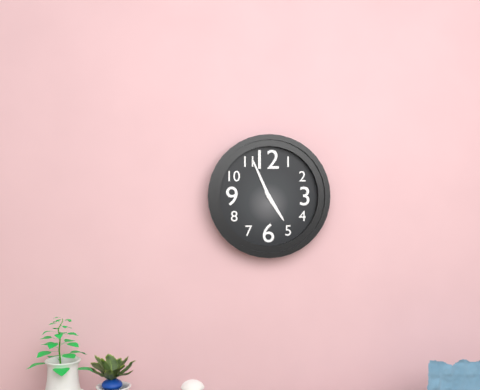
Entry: 4h56
